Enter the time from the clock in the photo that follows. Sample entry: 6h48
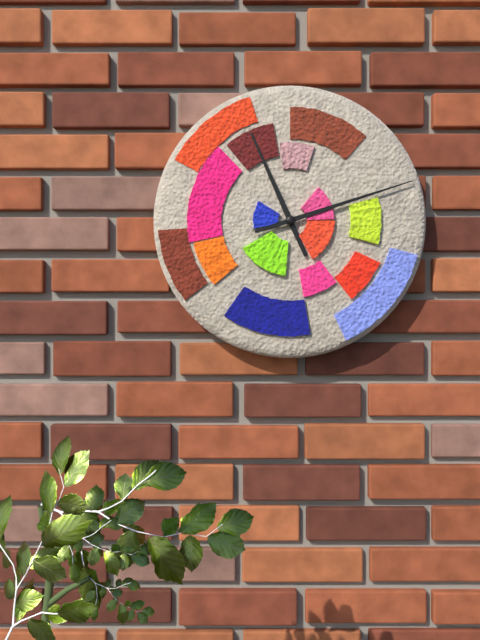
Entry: 11h12
